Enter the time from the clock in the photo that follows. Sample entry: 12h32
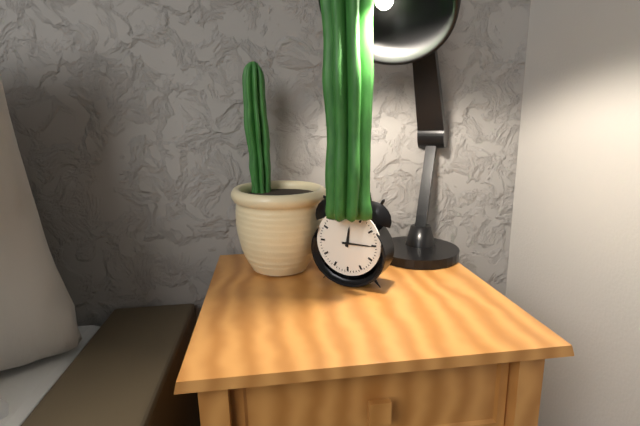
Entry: 12h15
